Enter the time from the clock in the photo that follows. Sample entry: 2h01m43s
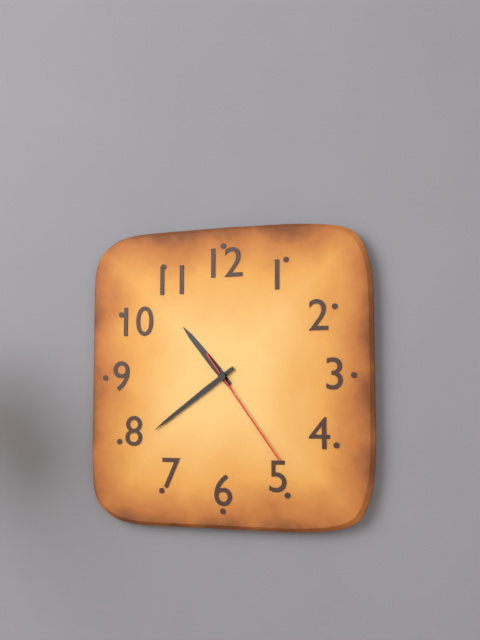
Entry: 10h39m24s
